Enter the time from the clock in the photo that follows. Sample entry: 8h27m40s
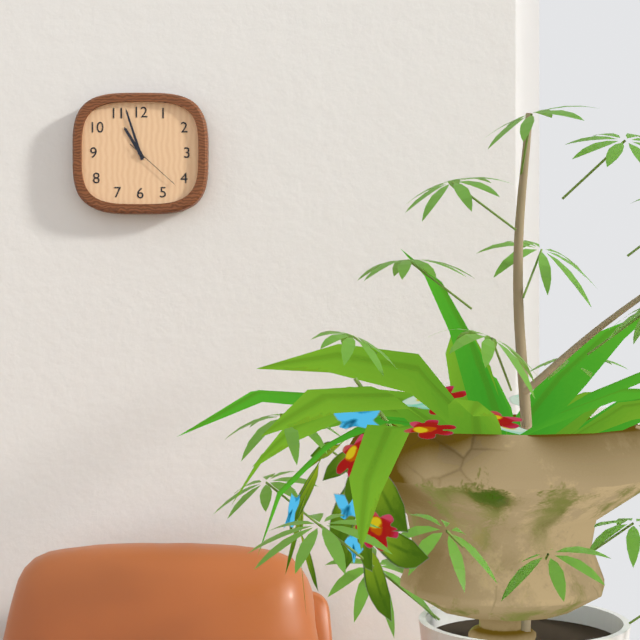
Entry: 10h57m22s
